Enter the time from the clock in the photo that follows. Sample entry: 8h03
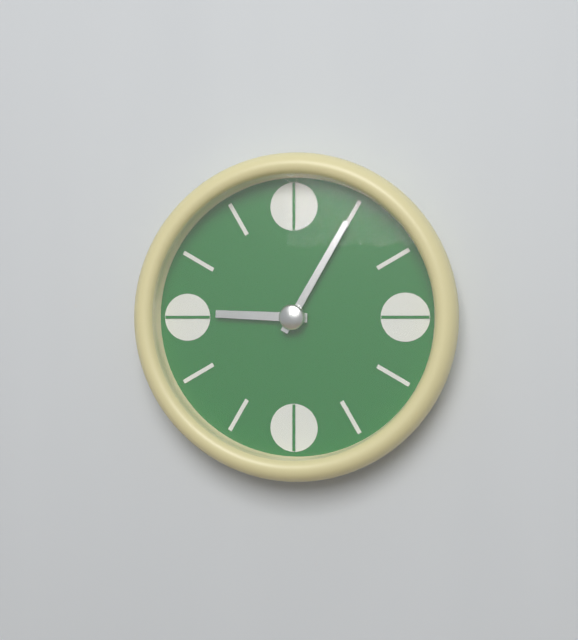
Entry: 9h05
